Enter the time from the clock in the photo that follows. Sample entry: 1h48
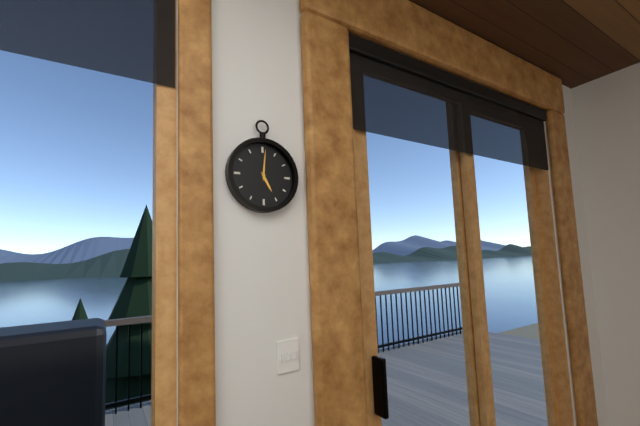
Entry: 5h01
